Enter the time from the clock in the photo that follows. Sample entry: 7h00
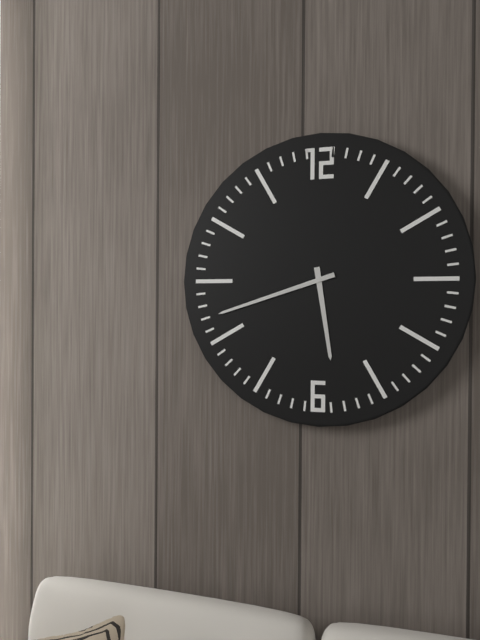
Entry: 5h42
